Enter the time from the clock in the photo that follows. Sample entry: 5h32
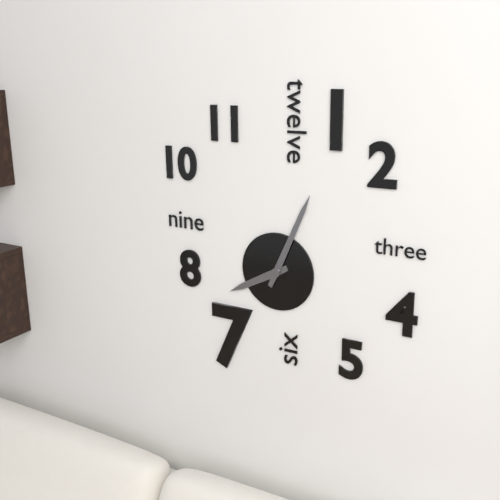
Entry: 8h04
